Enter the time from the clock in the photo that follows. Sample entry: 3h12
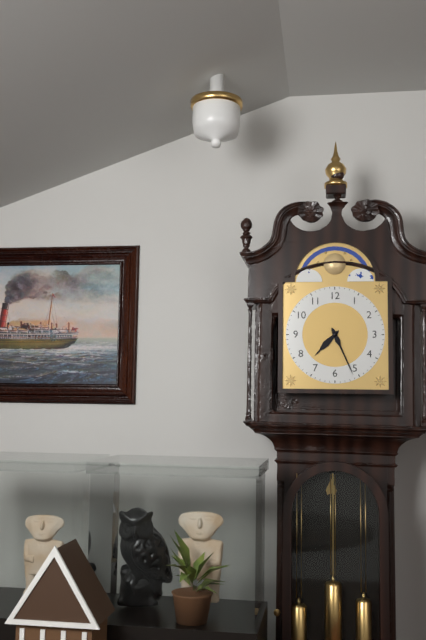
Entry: 7h26
